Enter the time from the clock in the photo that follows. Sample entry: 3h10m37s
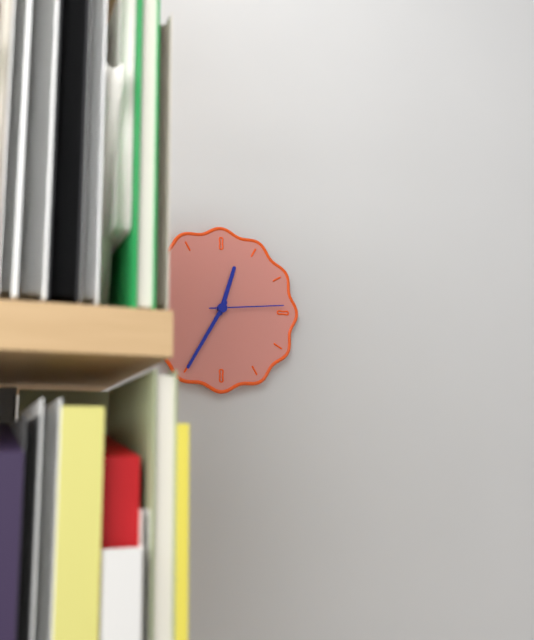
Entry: 12h35m14s
